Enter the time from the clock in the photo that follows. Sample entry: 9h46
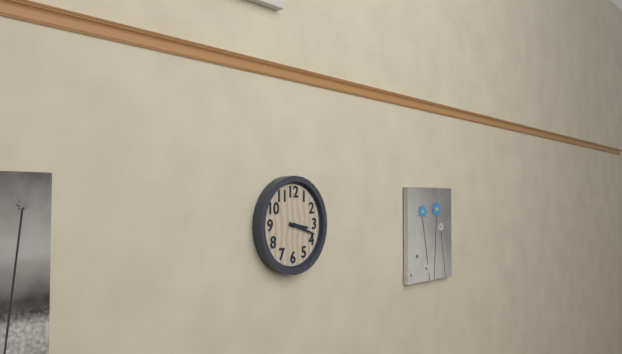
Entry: 3h18
